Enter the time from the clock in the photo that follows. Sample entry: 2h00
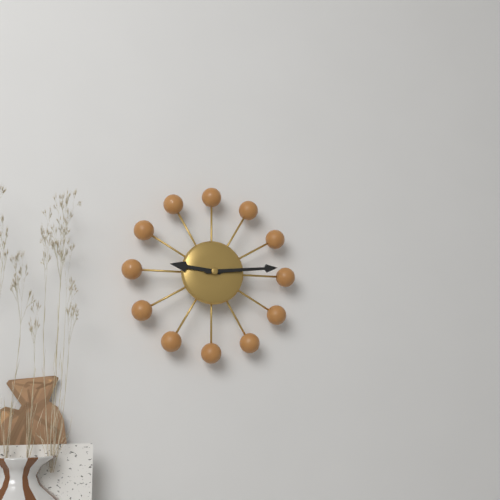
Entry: 9h14
